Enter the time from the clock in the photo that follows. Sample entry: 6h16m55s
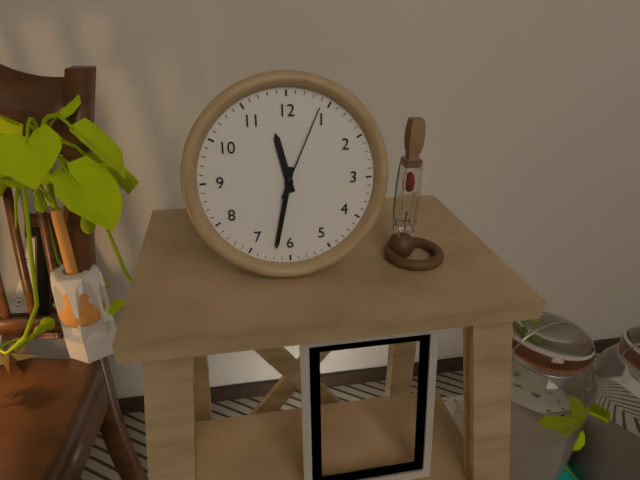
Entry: 11h32m04s
